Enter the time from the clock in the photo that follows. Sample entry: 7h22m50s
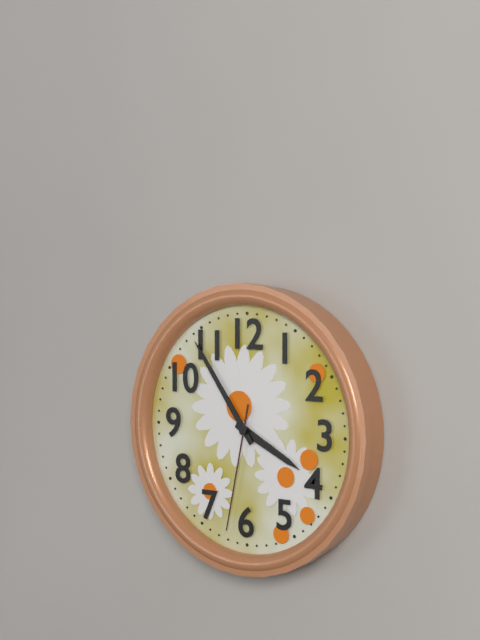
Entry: 3h54m32s
